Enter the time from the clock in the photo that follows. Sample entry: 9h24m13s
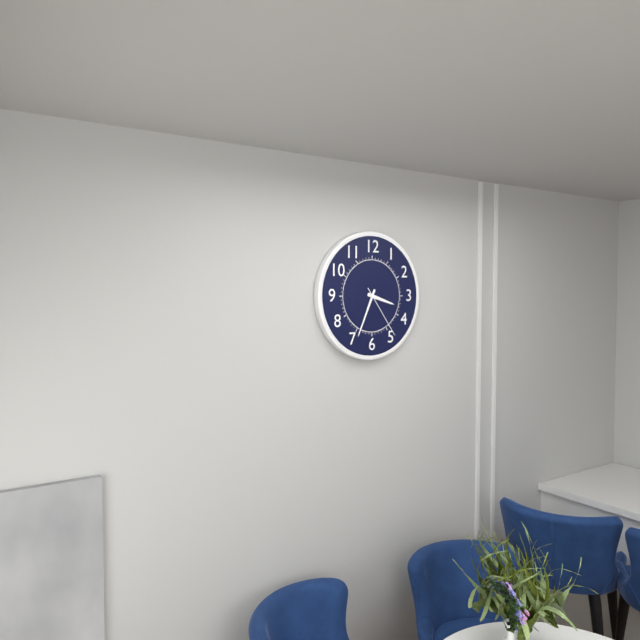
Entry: 3h34m24s
